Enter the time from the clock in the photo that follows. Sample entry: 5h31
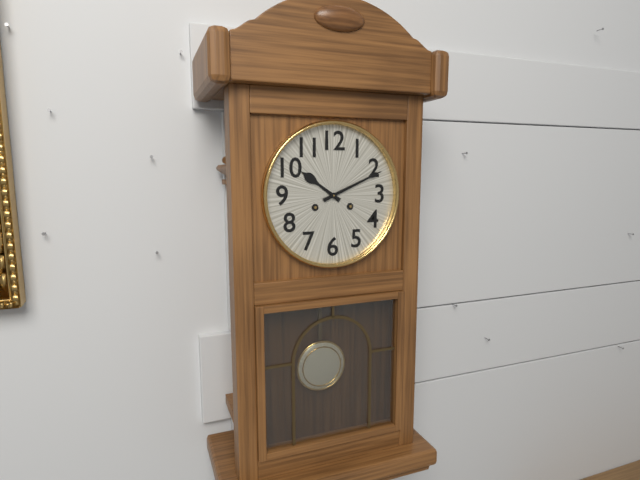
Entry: 10h11
